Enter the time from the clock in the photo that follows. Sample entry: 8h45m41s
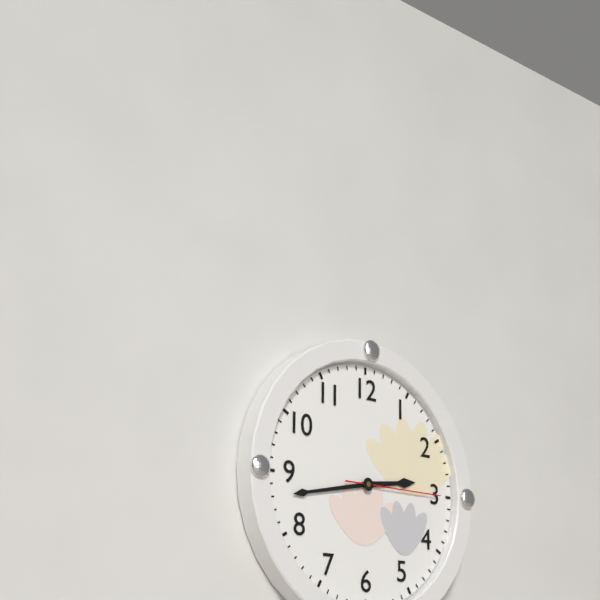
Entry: 2h43m15s
